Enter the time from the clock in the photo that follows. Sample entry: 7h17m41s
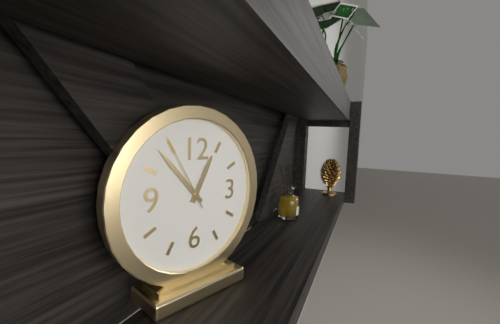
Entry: 12h53m55s
